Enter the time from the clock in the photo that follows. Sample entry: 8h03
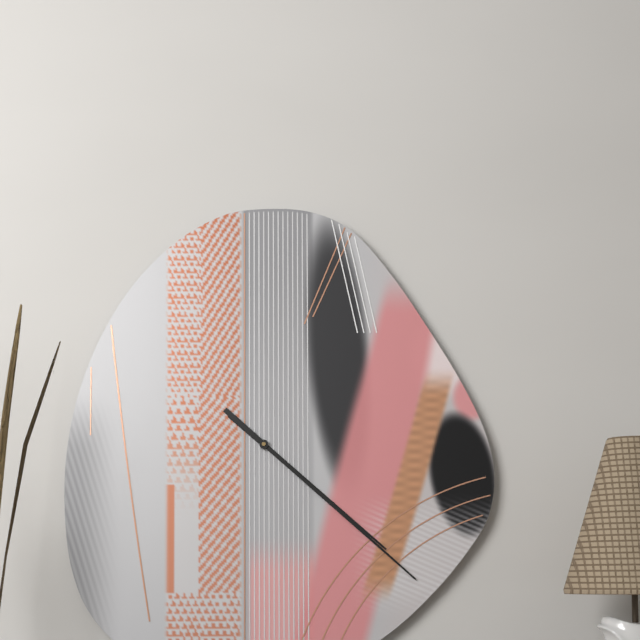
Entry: 4h22
